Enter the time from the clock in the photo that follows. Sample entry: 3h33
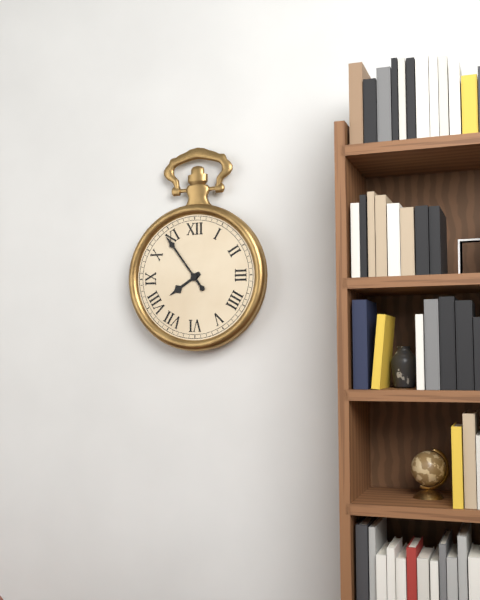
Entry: 7h54
